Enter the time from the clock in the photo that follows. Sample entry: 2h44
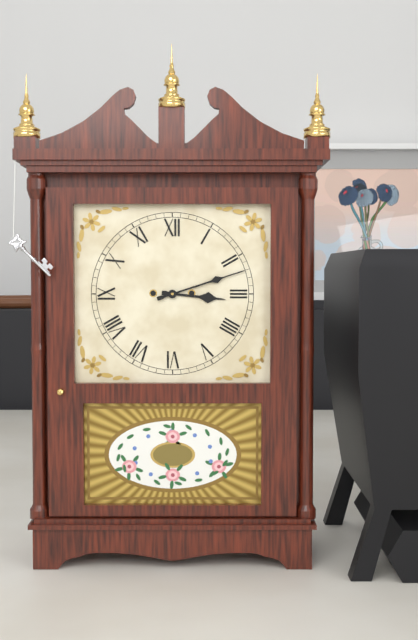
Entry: 3h12
